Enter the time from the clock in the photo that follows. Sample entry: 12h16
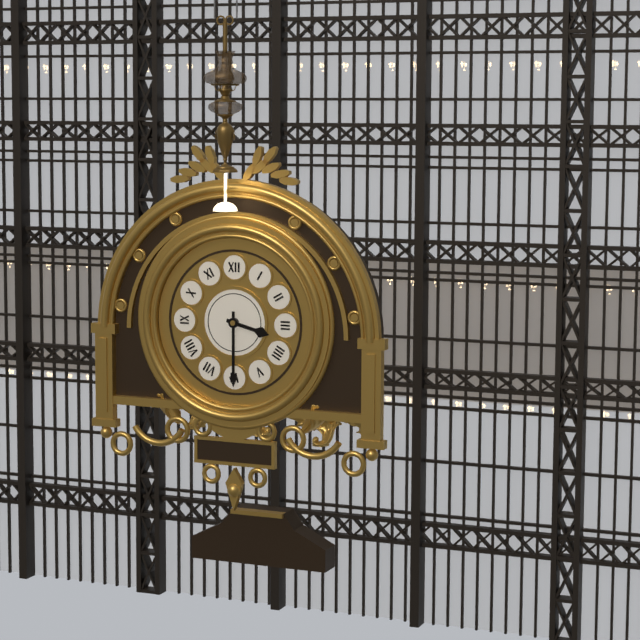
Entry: 3h30
